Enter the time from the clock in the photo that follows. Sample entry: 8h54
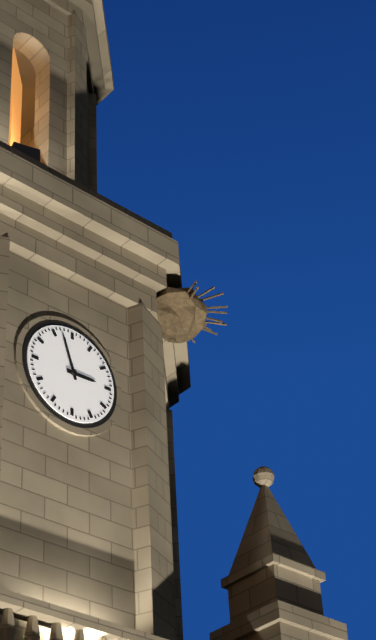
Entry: 2h57
